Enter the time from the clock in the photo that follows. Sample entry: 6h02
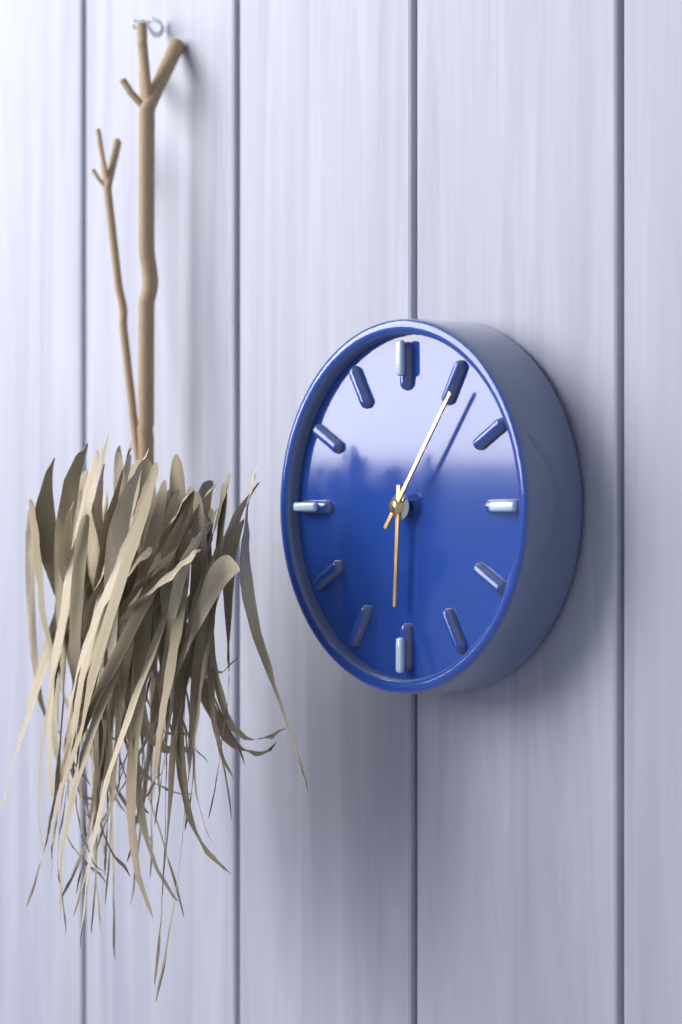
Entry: 6h06
